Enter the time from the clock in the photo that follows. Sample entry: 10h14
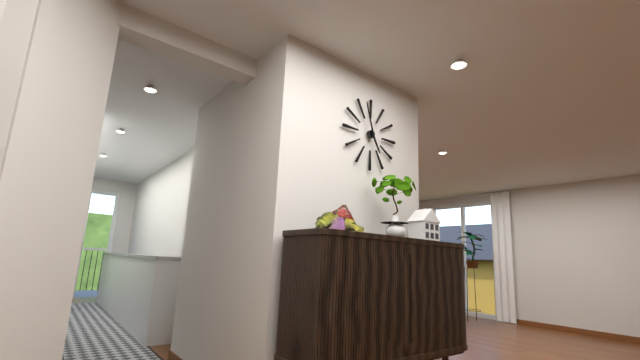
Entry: 4h57
